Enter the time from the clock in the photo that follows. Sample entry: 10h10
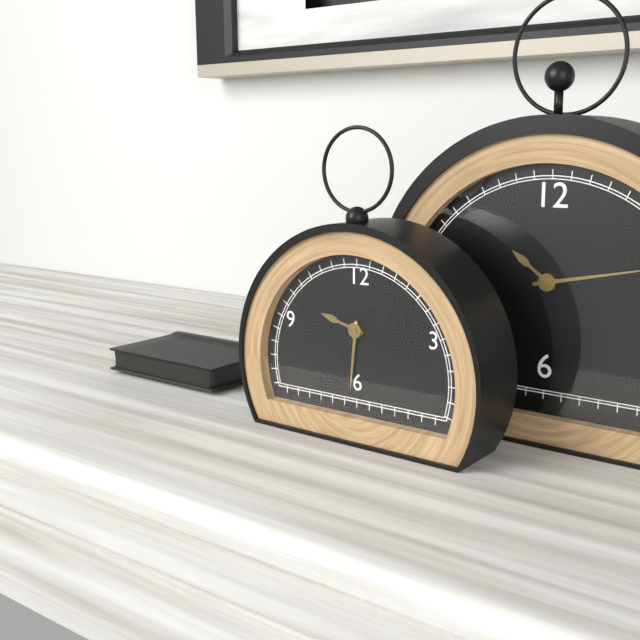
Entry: 9h31
